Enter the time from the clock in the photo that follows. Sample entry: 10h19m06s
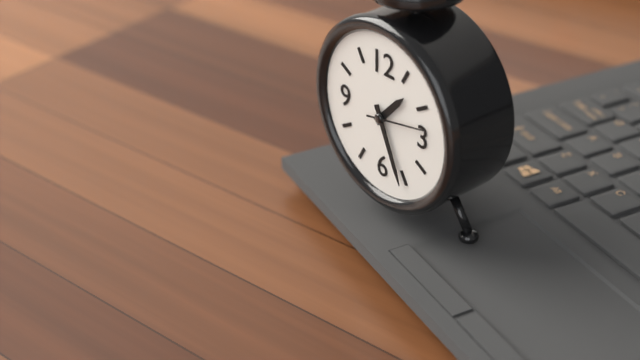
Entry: 1h26m13s
